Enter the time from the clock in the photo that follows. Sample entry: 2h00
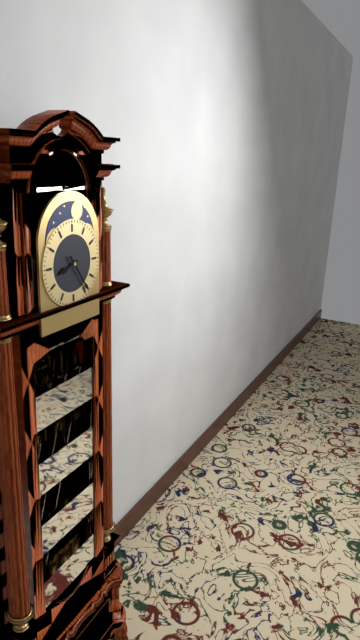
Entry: 8h24
